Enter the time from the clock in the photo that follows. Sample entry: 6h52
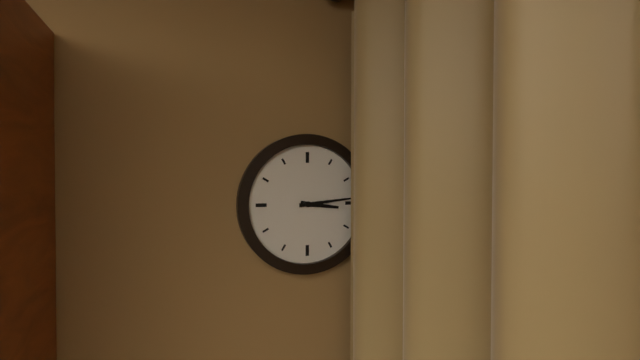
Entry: 3h14
